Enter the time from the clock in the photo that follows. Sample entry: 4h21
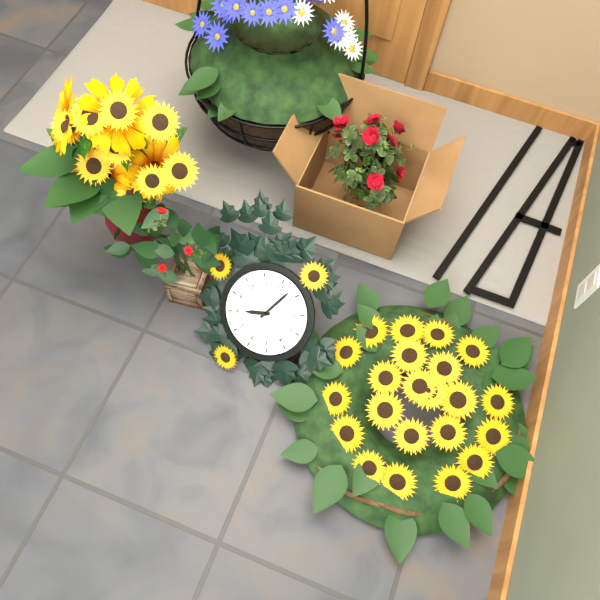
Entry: 8h03
